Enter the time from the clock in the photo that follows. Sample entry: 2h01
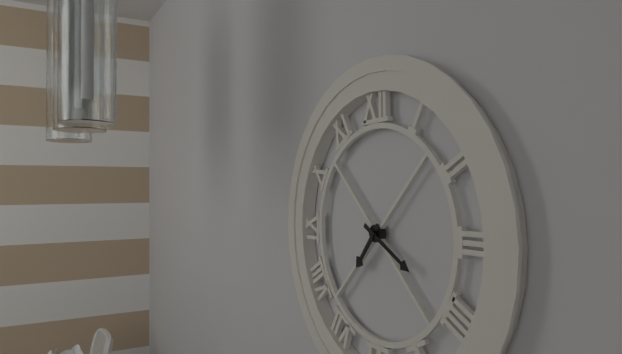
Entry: 7h20
